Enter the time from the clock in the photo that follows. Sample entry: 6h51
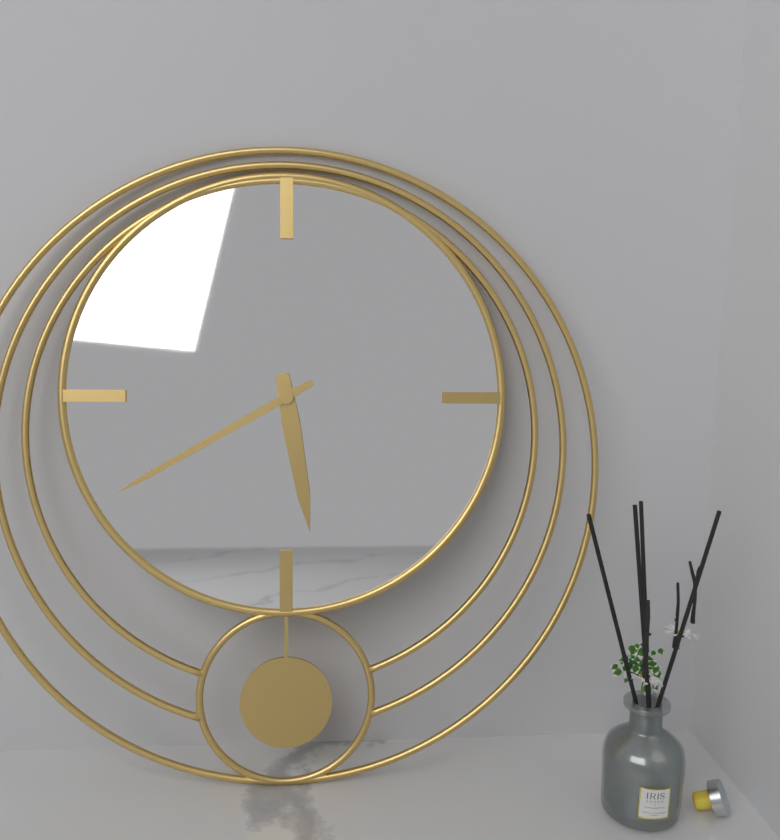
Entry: 5h40
